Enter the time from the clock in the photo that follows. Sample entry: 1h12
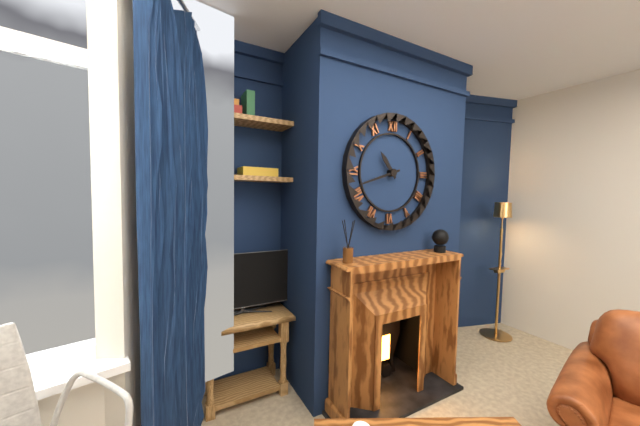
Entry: 10h42
